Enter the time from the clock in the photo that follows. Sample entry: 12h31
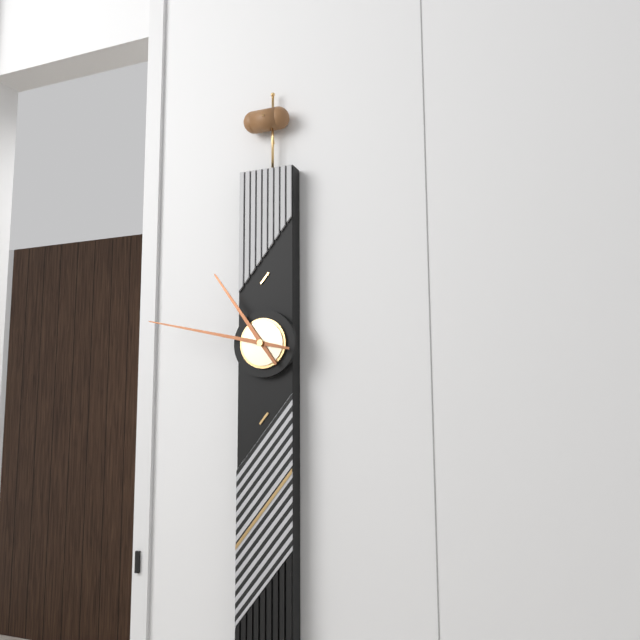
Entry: 10h47
